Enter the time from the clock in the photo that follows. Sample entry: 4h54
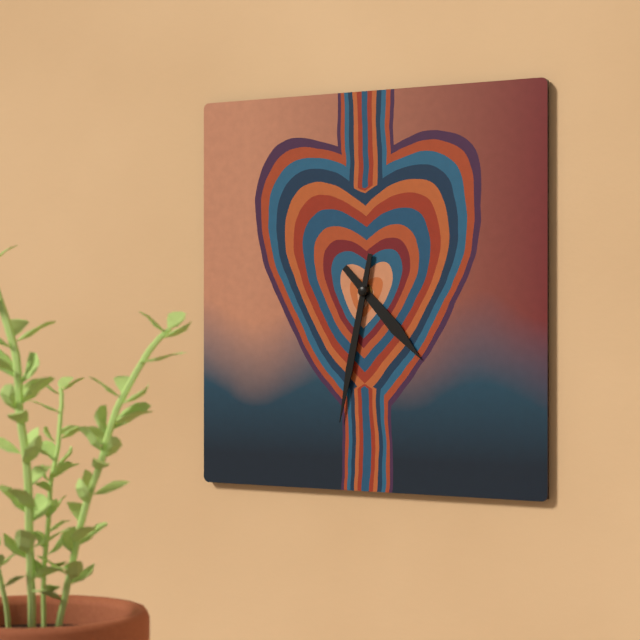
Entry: 4h32
